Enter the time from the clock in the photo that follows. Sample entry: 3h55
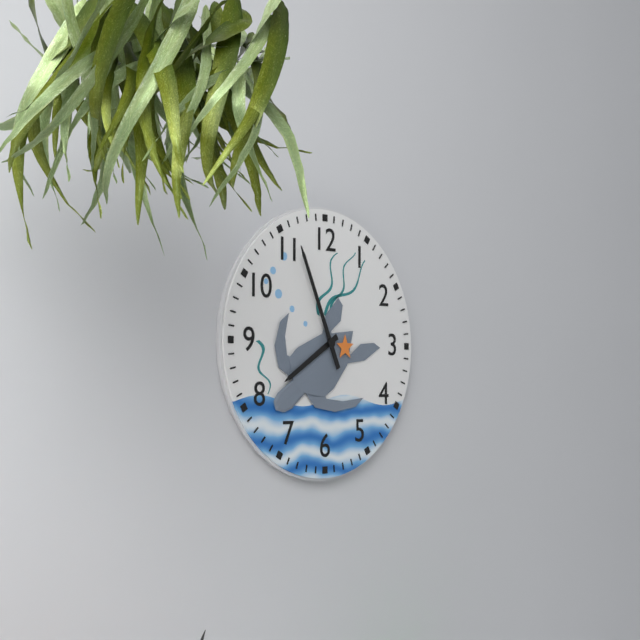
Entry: 7h56
